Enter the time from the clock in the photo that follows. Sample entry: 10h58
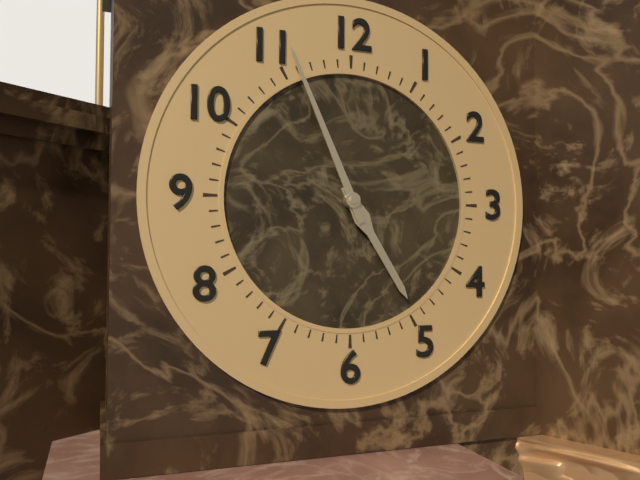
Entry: 4h56
